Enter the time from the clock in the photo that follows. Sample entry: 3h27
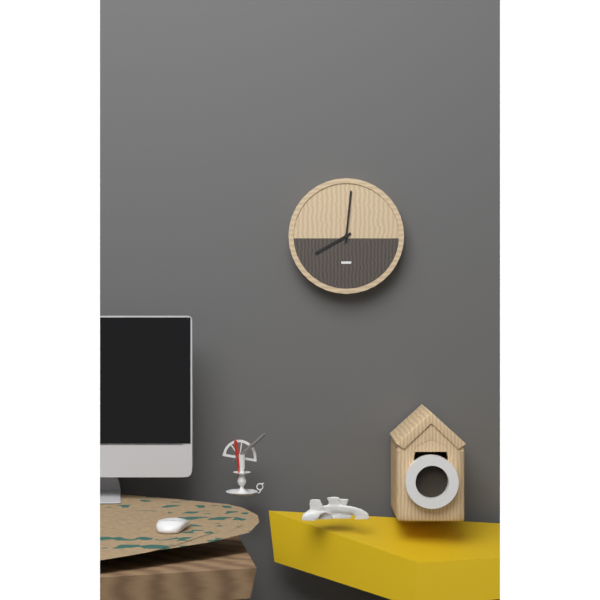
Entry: 8h01
